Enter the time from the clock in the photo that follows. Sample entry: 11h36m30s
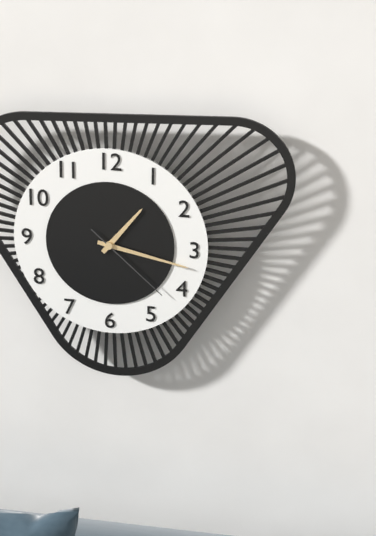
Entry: 1h17m22s
